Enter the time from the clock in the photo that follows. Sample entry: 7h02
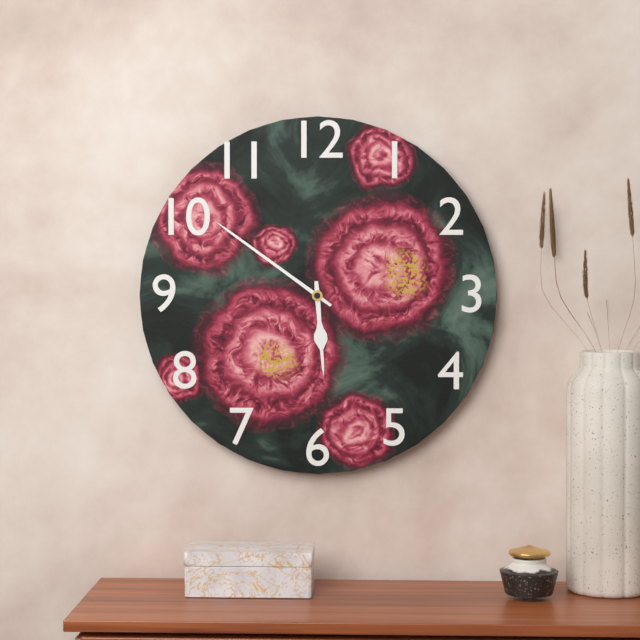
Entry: 5h51
